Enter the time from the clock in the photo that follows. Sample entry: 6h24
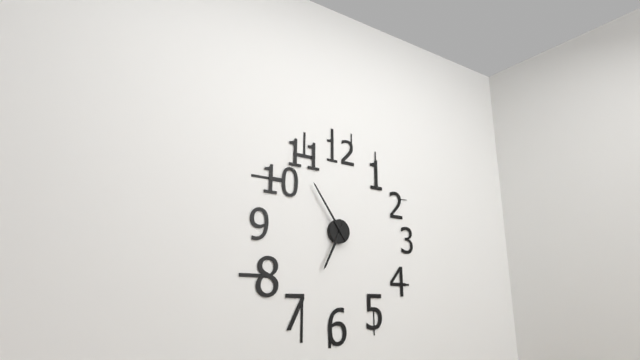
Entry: 6h54
